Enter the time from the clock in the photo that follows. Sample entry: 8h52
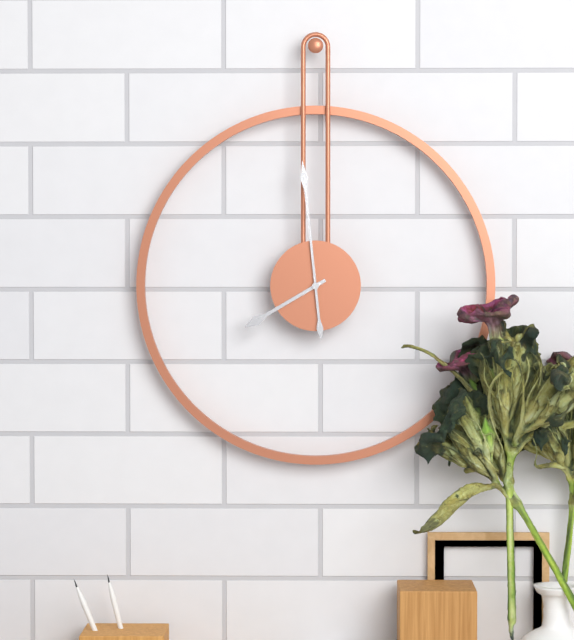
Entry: 7h59
